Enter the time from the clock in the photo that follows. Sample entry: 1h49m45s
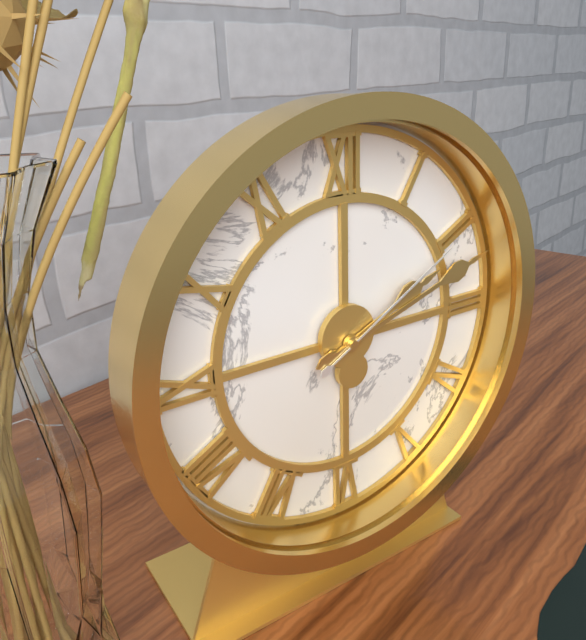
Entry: 2h12m10s
